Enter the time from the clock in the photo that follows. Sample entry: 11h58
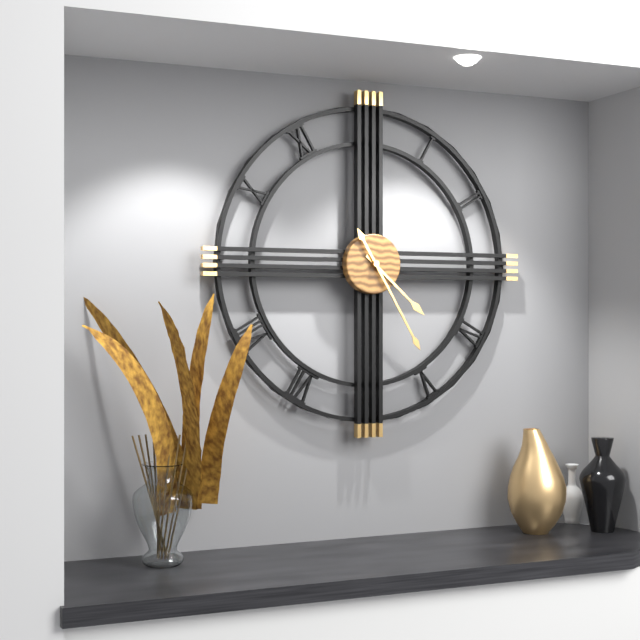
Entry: 4h25
